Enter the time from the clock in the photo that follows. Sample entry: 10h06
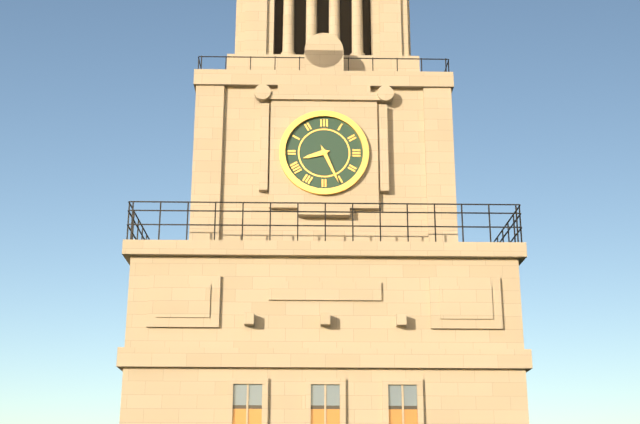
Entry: 8h26
